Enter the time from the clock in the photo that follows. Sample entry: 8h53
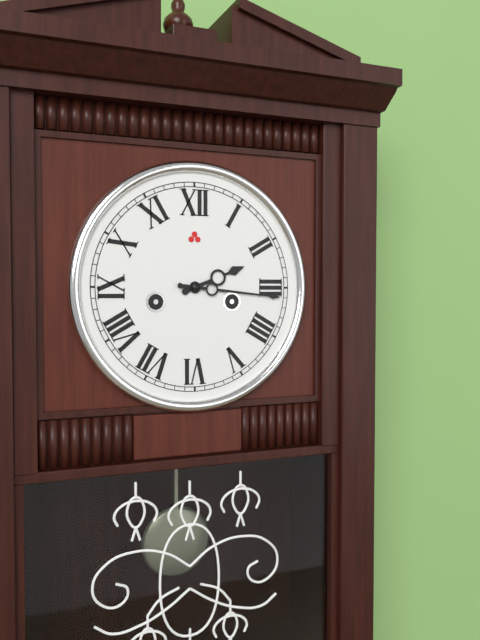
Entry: 2h16
